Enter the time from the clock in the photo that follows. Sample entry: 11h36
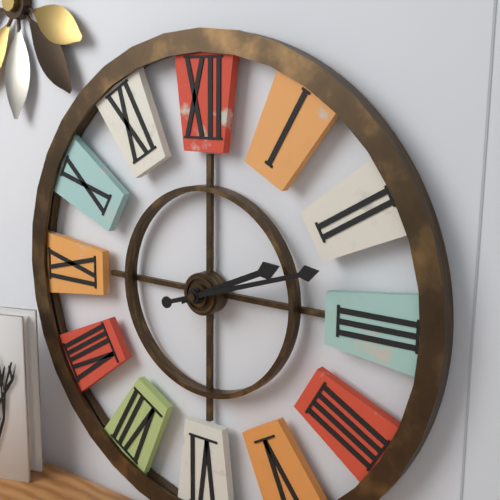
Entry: 2h12
